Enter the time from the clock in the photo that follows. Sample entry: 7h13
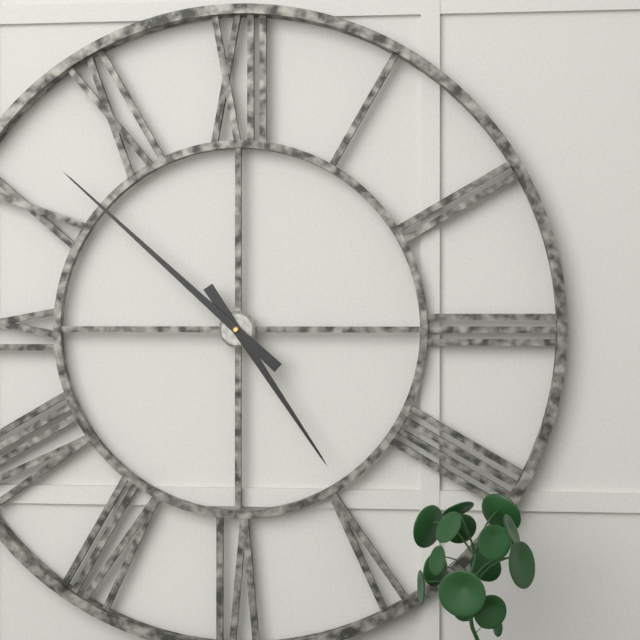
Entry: 4h52
